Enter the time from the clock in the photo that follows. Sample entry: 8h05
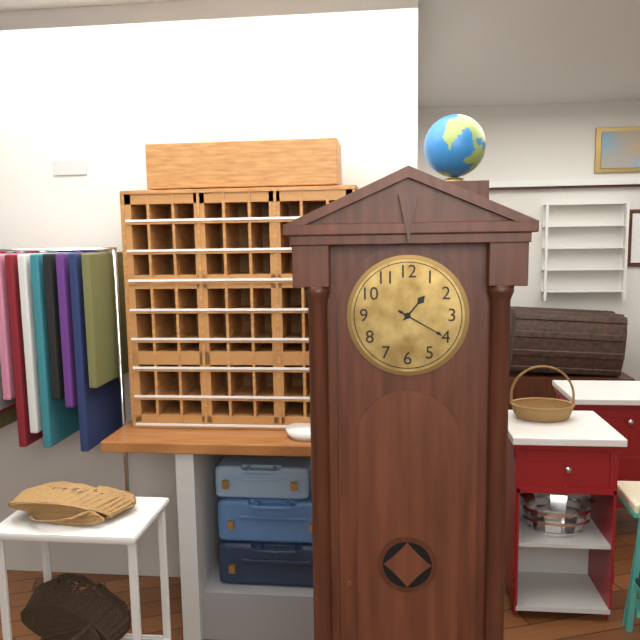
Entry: 1h20
